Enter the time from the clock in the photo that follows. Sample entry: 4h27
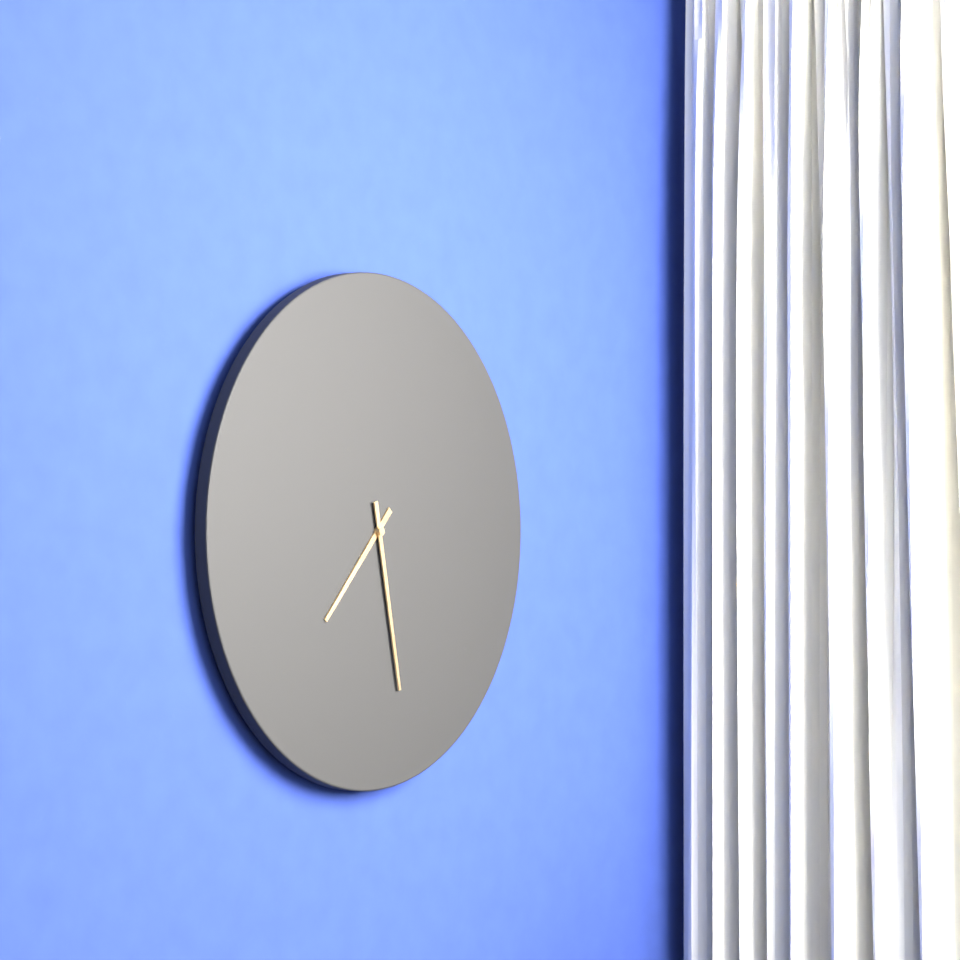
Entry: 7h28
